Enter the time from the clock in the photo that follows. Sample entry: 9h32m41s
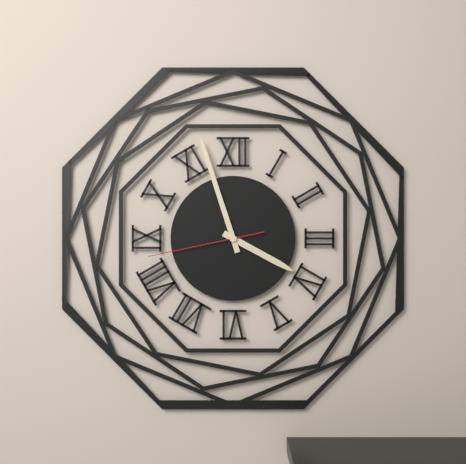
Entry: 3h57m43s
